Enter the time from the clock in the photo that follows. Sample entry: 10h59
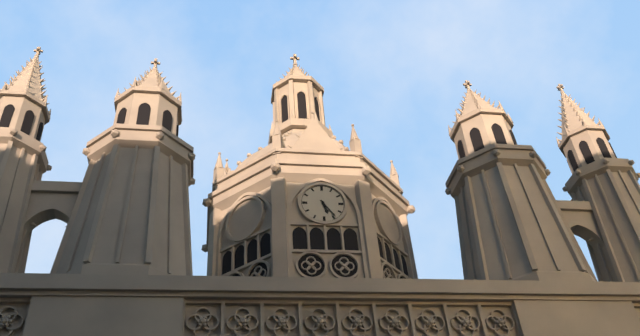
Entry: 5h24
